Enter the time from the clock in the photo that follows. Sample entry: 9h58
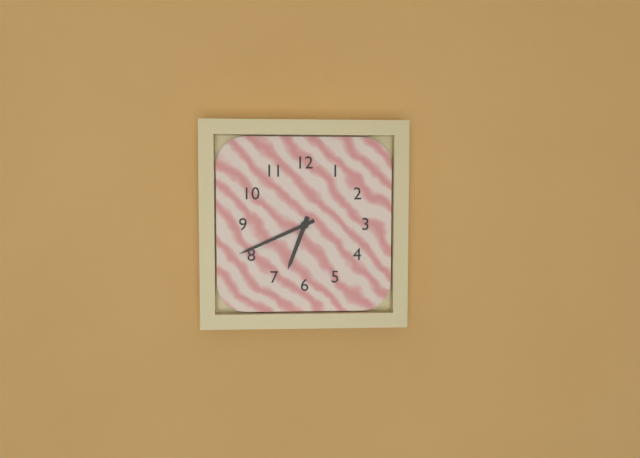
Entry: 6h41
